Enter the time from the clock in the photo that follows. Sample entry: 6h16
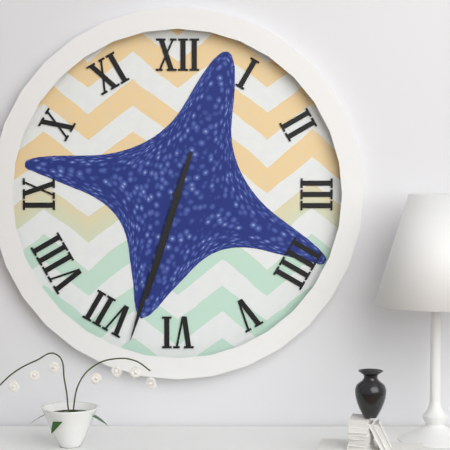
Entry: 6h33
